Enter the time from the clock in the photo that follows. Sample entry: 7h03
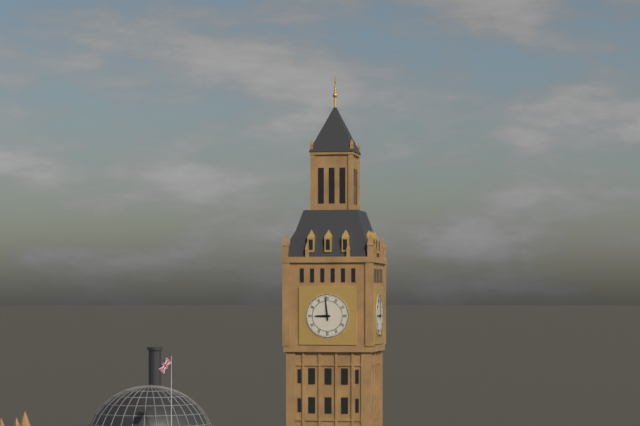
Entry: 8h59
